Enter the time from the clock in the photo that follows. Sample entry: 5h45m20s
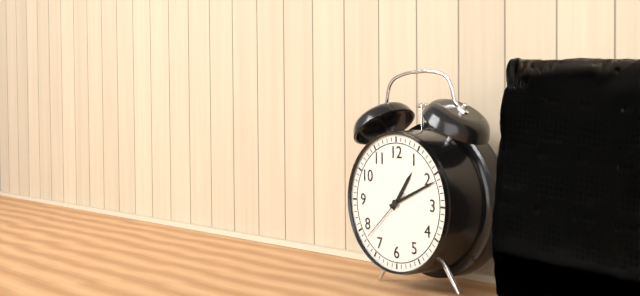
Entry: 1h11m38s
